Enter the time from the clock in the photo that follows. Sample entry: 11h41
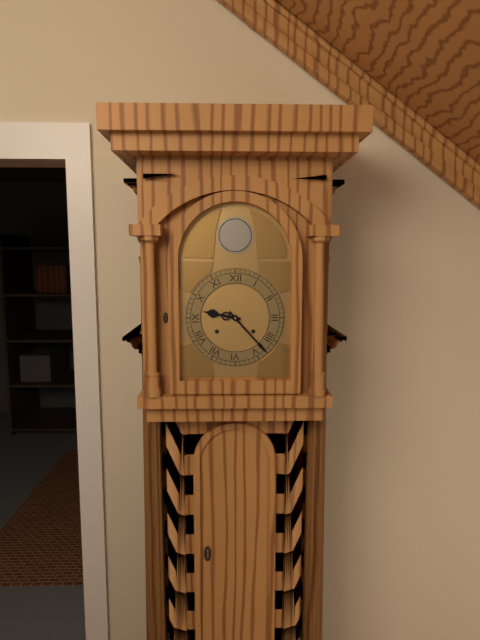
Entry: 9h23
